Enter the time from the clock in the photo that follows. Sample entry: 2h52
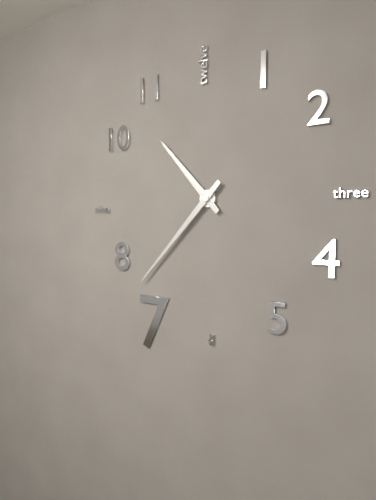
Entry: 10h37
